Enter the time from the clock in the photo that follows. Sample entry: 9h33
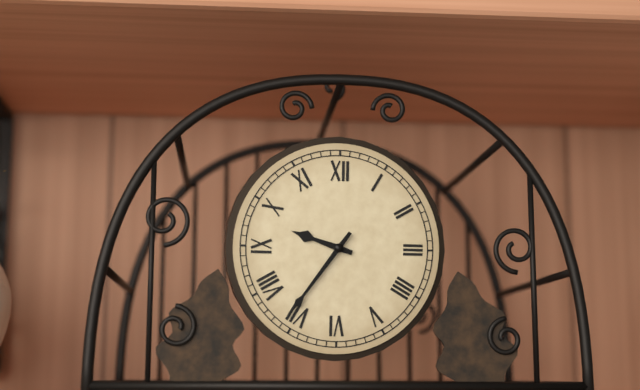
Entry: 9h36
